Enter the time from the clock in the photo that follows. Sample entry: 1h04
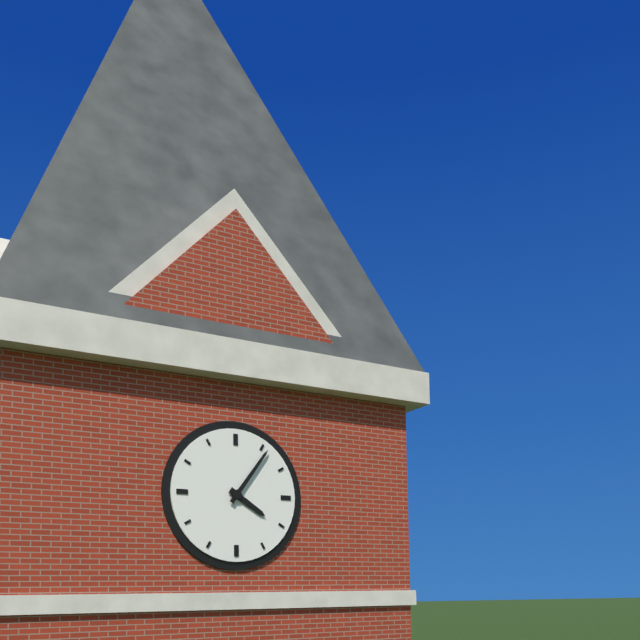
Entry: 4h06
